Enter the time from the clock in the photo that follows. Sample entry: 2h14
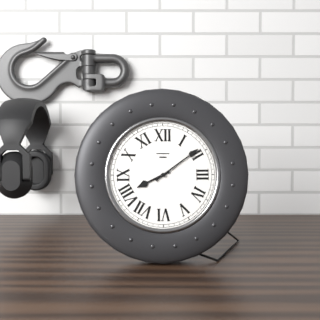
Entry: 8h09
